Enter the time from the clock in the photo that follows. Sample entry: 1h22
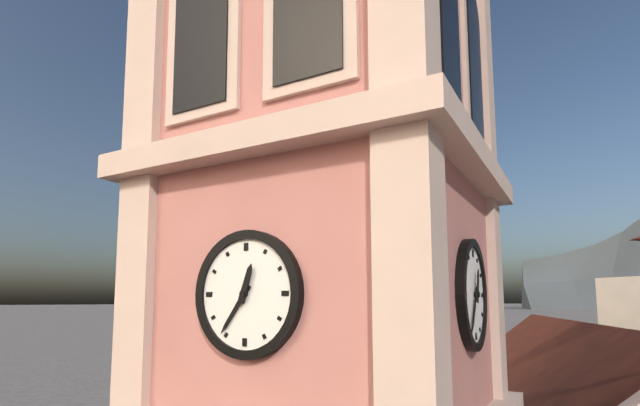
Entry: 12h36
